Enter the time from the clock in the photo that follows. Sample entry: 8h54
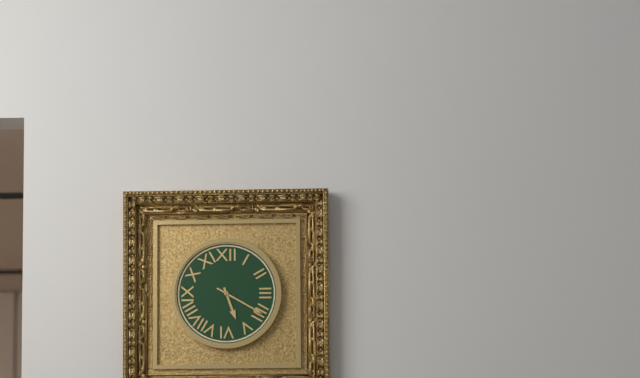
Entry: 5h20
